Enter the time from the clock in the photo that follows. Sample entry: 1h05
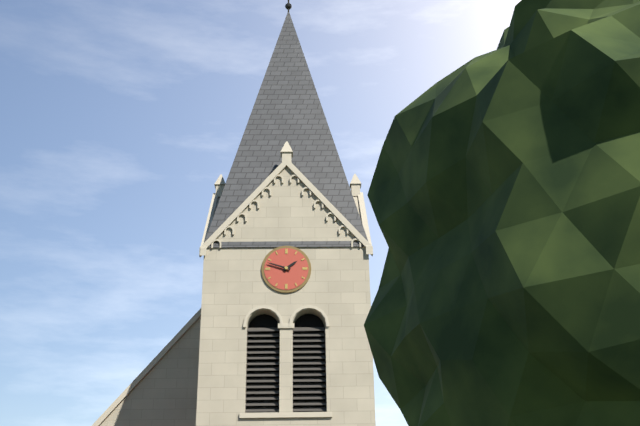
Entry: 1h48
